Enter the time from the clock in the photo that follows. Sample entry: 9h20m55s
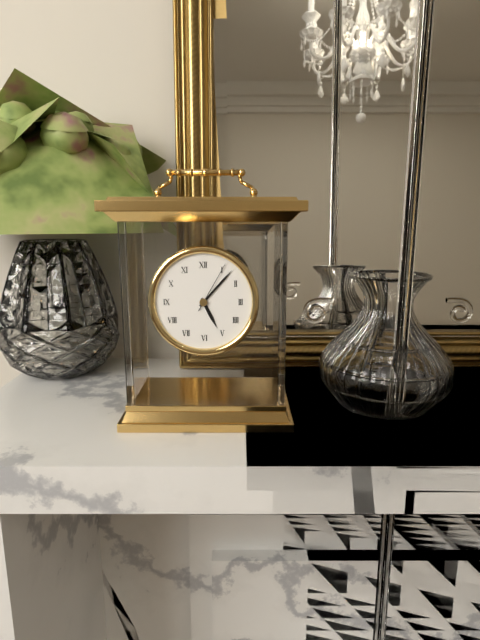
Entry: 5h07m05s
